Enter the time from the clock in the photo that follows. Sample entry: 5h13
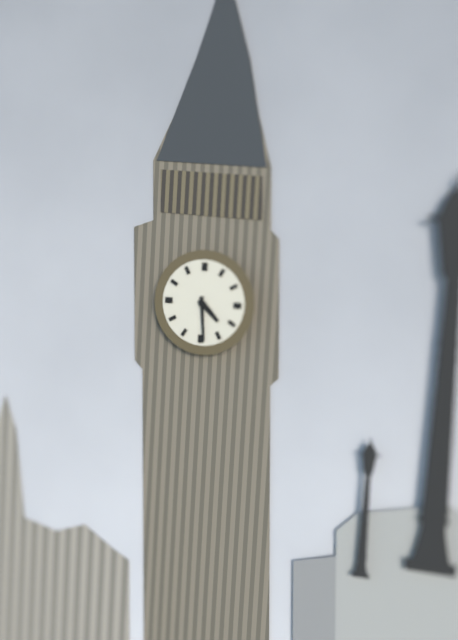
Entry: 4h29
